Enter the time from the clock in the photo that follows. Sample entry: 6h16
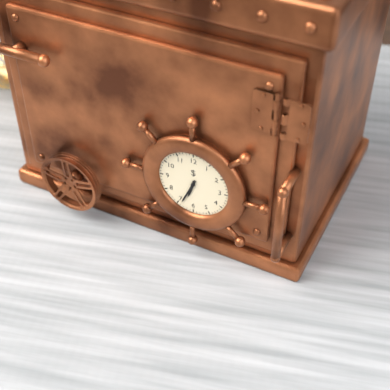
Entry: 6h34
